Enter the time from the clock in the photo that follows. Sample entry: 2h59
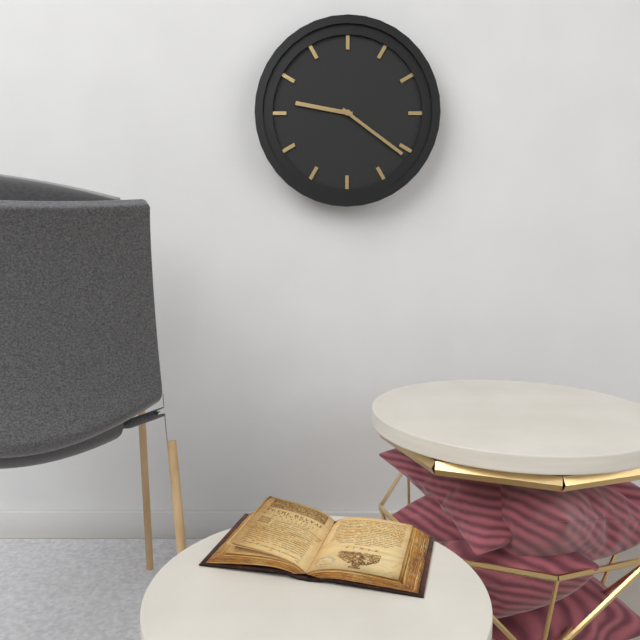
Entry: 9h21
